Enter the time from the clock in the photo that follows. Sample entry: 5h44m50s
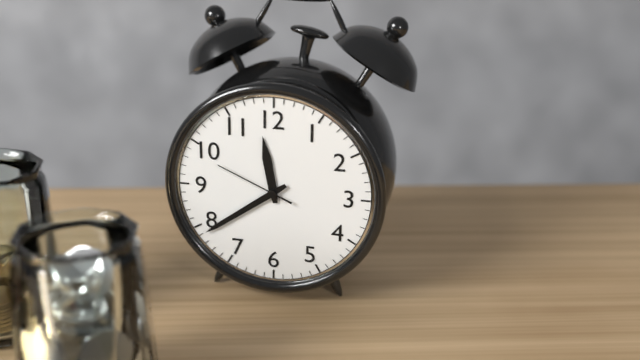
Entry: 11h39m49s
